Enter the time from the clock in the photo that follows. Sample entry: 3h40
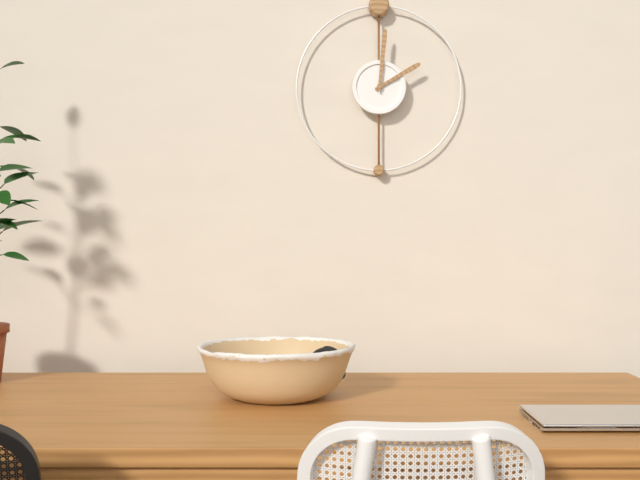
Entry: 2h01
